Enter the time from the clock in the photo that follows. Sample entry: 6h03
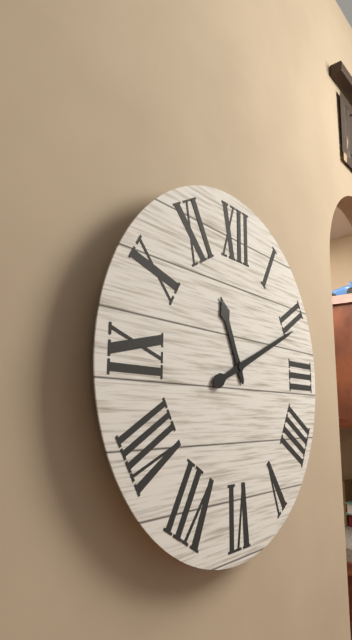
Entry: 11h11
